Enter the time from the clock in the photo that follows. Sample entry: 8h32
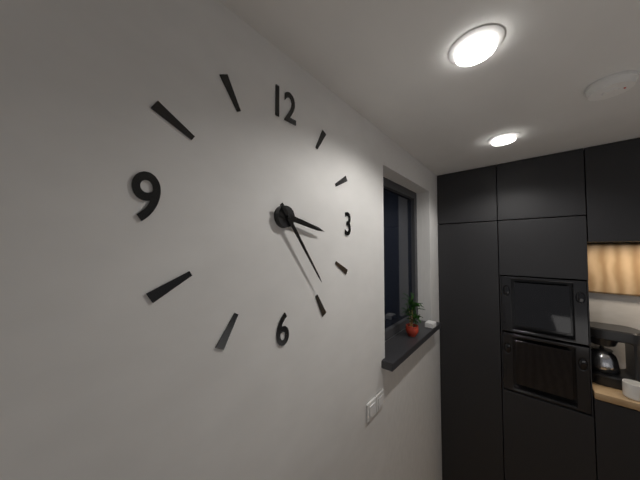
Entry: 3h24
